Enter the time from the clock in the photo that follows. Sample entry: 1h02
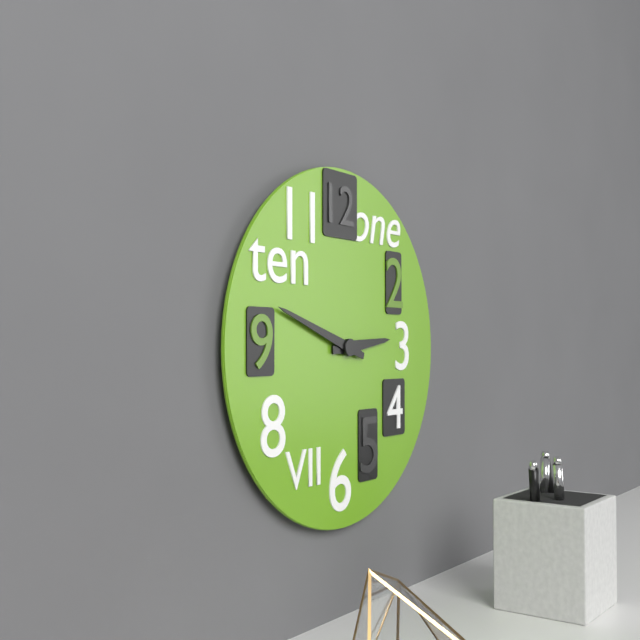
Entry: 2h48
